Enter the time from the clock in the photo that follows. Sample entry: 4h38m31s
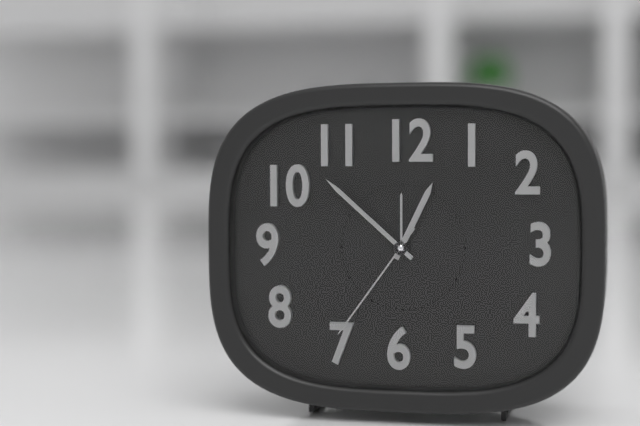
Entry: 12h52m36s
